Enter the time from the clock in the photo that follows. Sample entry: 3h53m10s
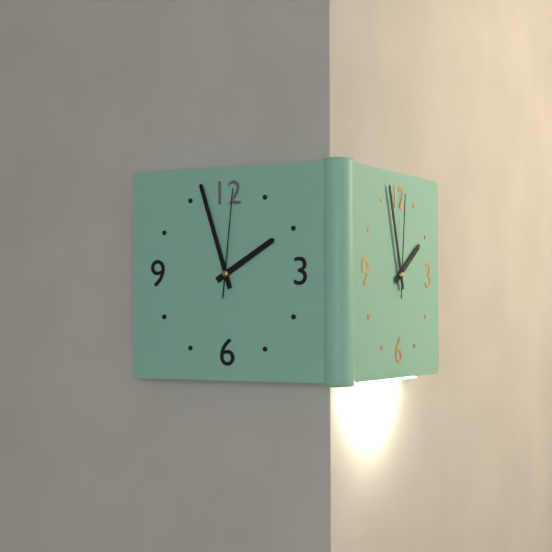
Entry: 1h57m01s
